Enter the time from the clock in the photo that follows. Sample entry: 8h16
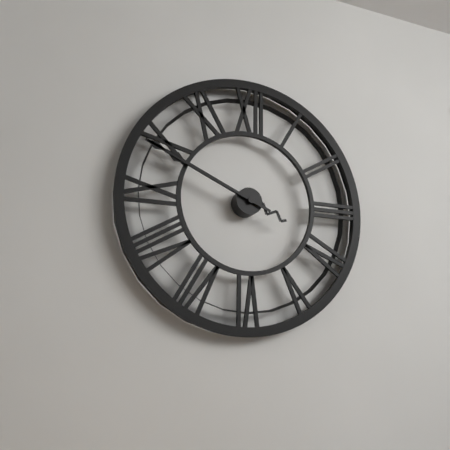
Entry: 9h49
